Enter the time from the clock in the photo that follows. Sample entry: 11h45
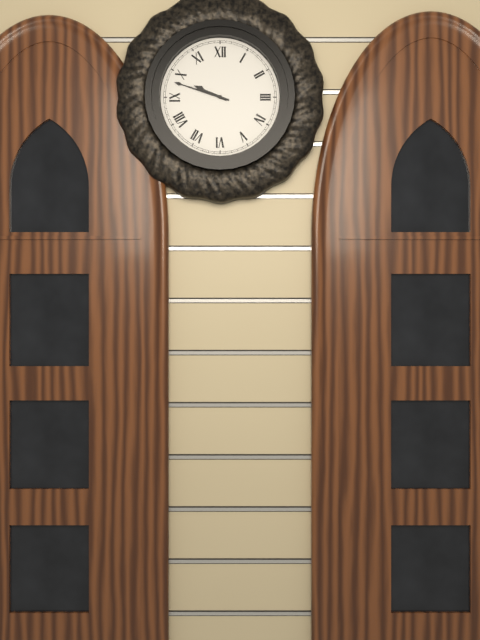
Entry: 9h48
